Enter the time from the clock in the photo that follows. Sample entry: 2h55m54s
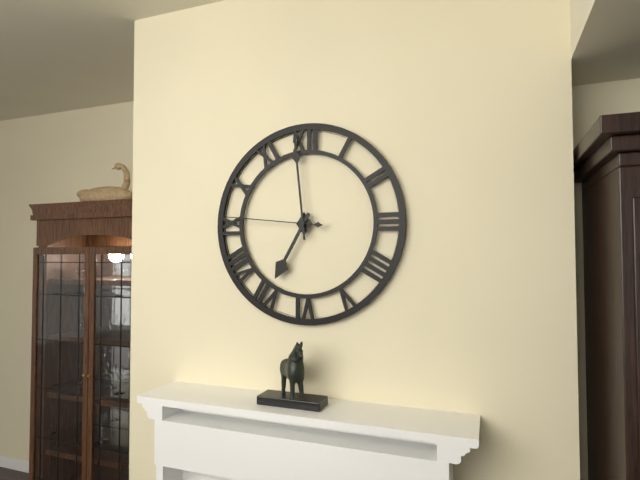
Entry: 6h59m46s
